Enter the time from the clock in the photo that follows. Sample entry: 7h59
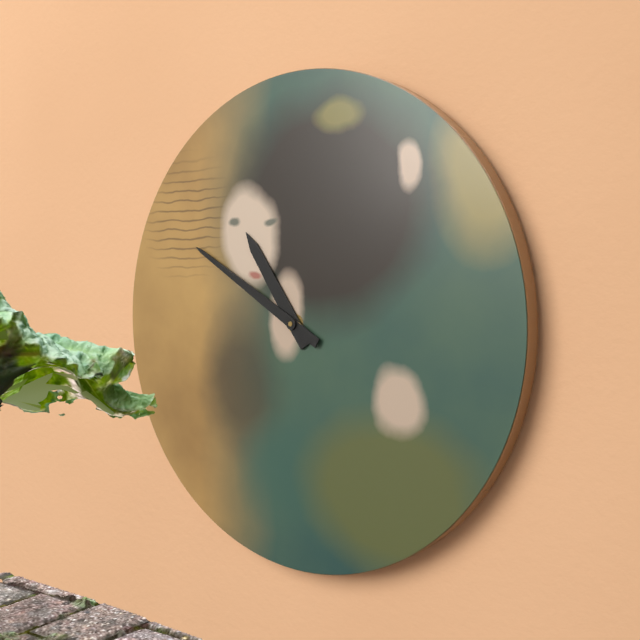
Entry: 10h50
